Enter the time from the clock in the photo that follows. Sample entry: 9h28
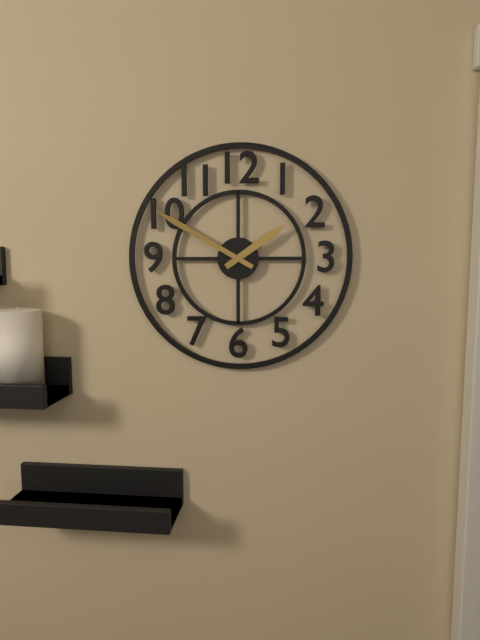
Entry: 1h50
